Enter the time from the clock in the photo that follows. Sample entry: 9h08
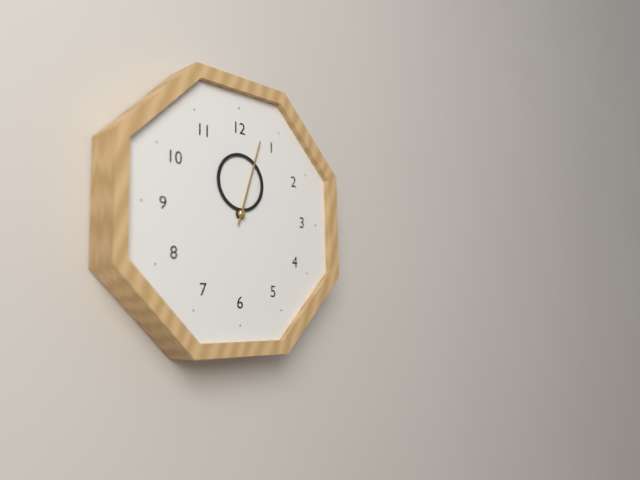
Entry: 12h03
